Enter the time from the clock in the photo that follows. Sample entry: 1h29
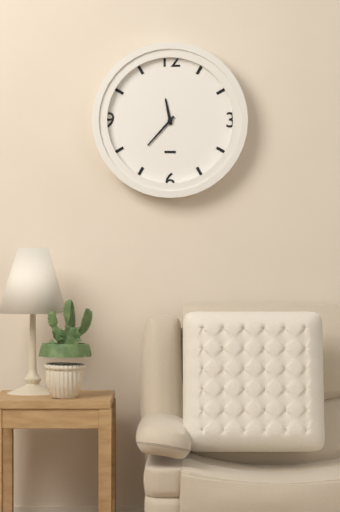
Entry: 11h37
